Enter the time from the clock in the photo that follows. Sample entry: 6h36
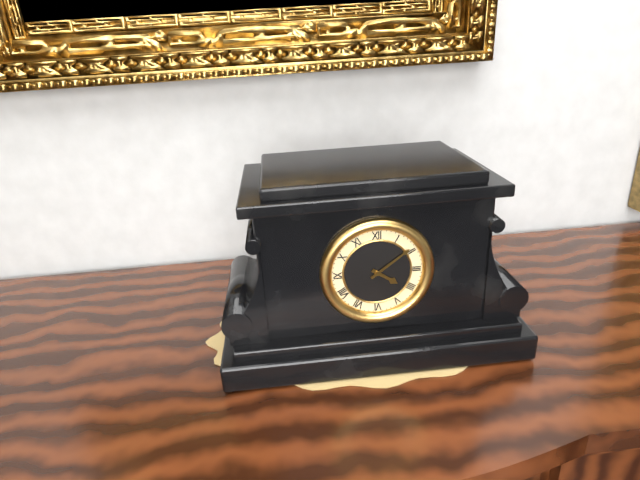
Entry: 4h09
